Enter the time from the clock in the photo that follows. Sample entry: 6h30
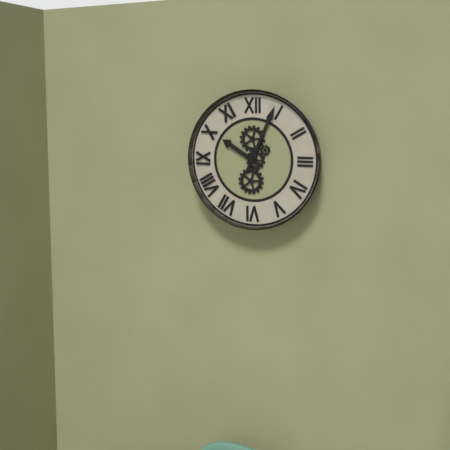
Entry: 10h04
